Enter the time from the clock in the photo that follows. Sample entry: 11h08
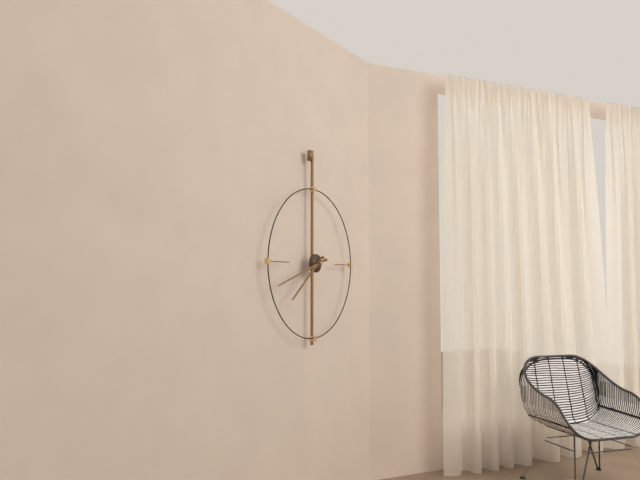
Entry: 7h42
